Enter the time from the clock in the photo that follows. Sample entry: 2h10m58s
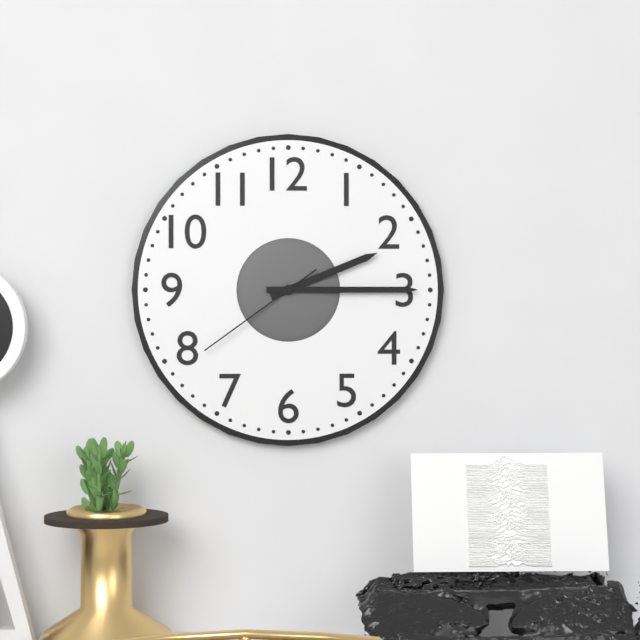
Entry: 2h15m39s
